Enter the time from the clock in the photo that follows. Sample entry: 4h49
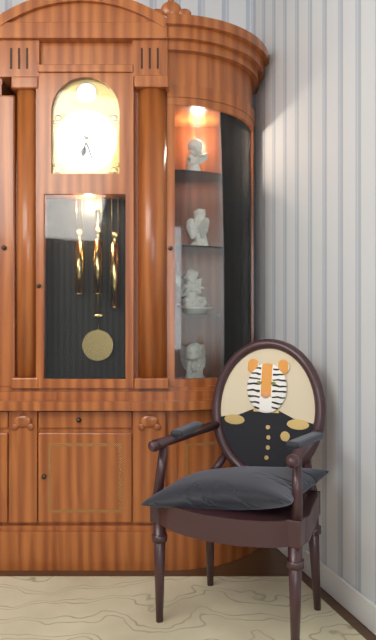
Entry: 6h27
